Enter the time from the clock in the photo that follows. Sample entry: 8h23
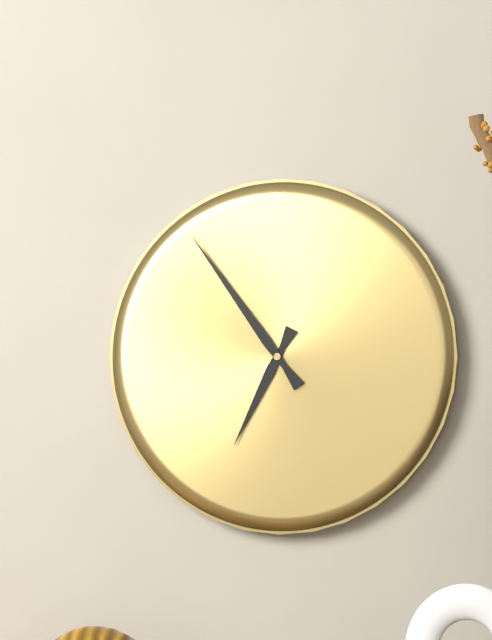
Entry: 6h54
